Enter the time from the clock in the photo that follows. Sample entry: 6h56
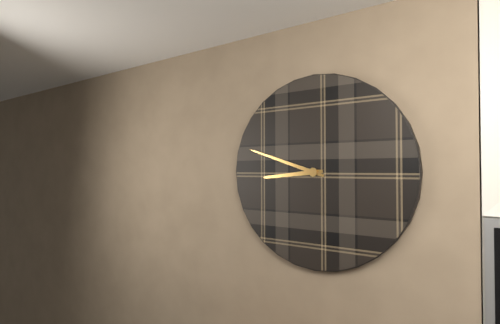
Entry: 8h48
